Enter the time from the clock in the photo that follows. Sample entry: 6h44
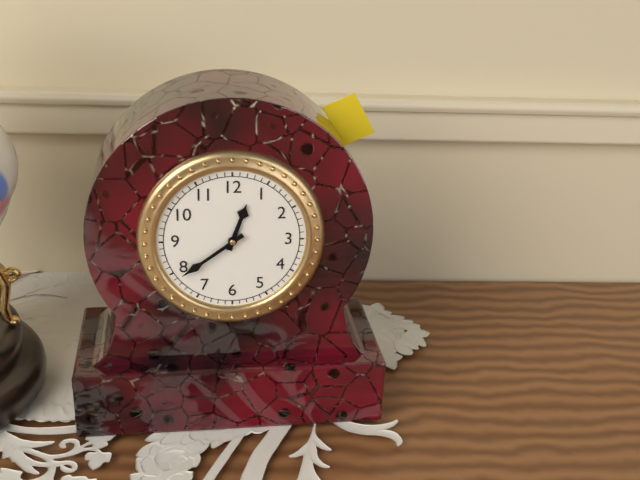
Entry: 12h39
